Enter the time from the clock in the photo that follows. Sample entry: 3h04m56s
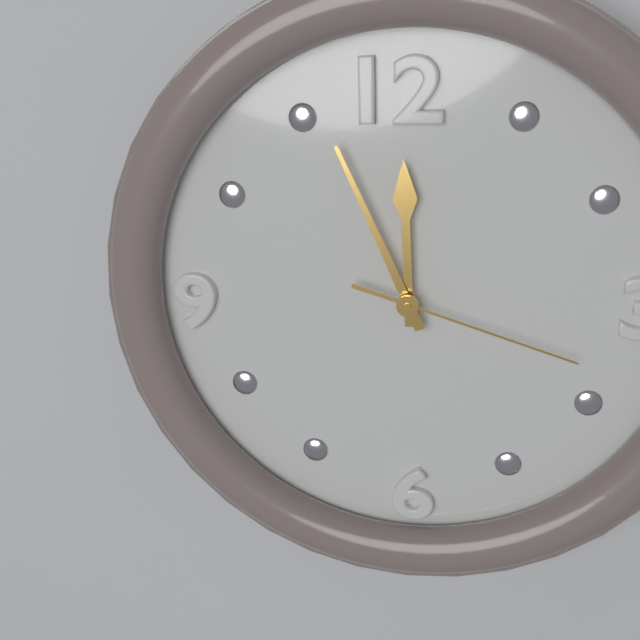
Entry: 11h56m18s
